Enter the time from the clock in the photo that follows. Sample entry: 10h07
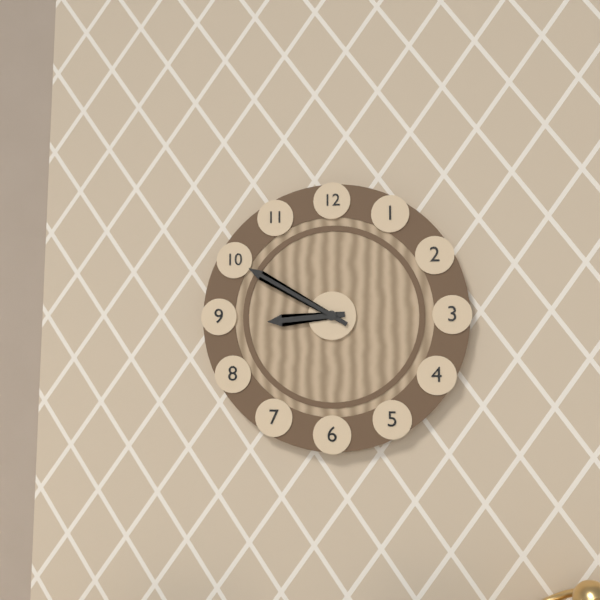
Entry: 8h50
